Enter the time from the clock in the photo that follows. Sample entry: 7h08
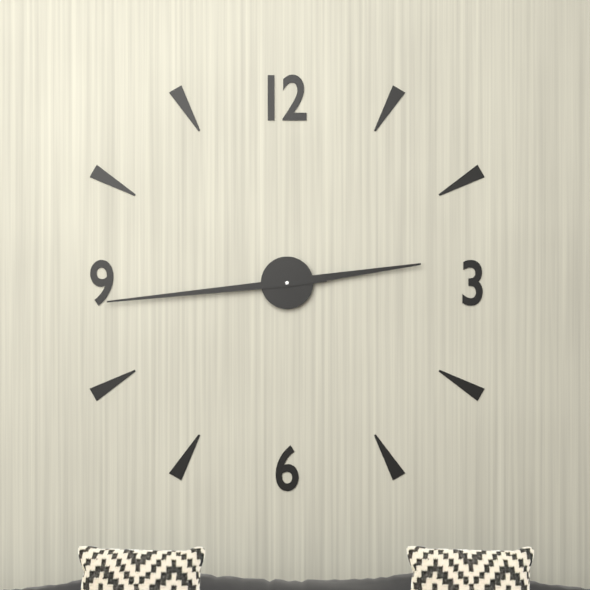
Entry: 2h44
